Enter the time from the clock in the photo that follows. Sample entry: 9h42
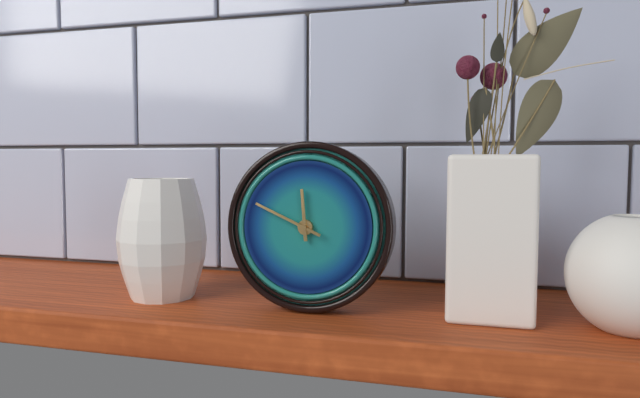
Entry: 11h49
